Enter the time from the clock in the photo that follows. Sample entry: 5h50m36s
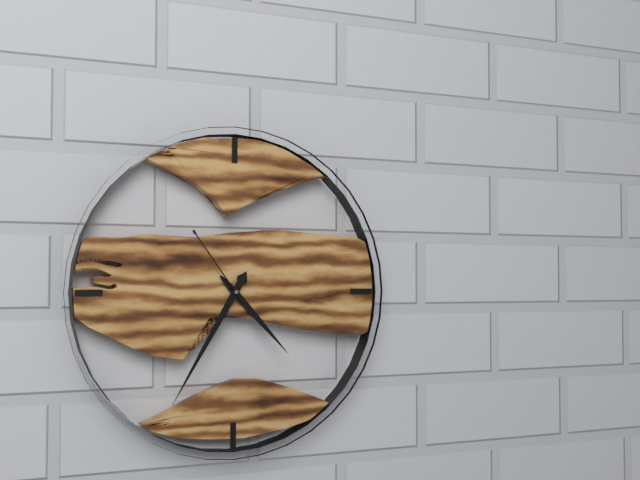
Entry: 4h35m54s
